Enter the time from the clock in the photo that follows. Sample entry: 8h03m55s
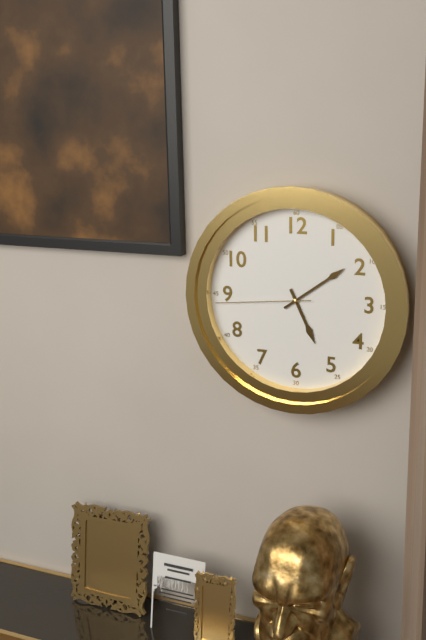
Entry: 5h09m44s
